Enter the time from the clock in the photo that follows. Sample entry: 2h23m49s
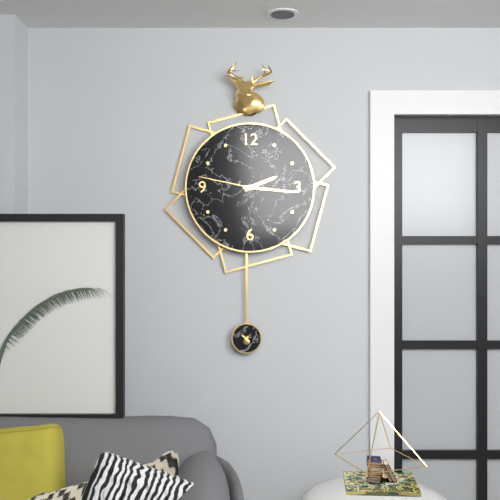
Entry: 2h16m47s
